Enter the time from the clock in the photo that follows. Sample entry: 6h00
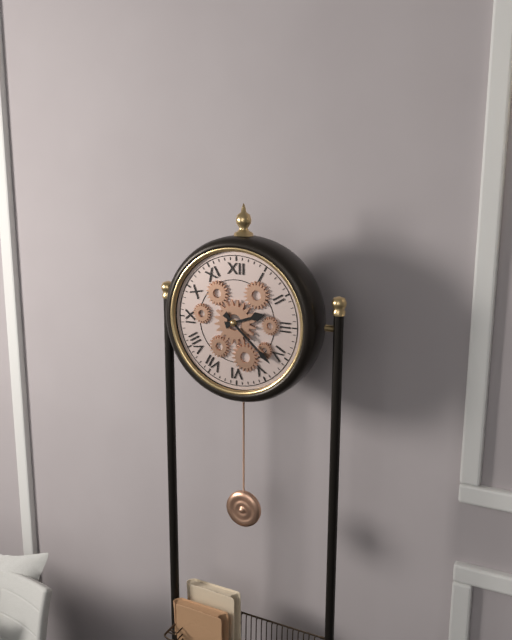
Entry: 2h22
